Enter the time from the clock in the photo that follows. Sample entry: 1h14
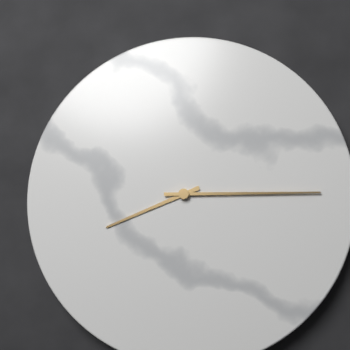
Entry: 8h15
